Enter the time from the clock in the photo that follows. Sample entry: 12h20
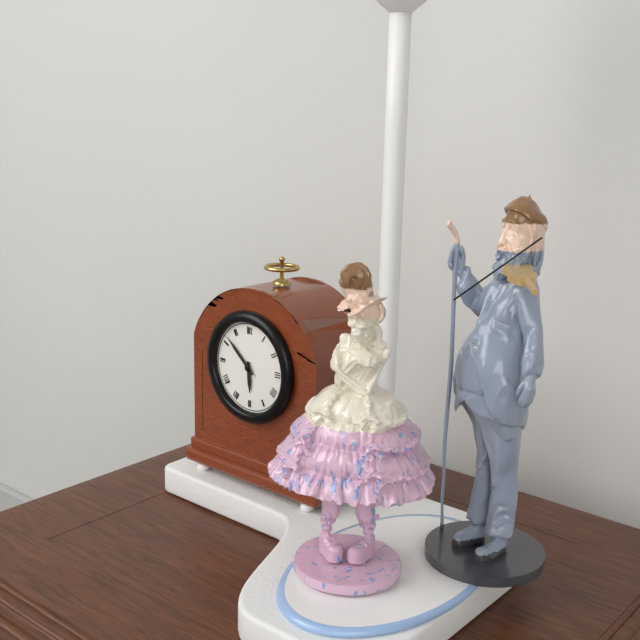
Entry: 5h52
